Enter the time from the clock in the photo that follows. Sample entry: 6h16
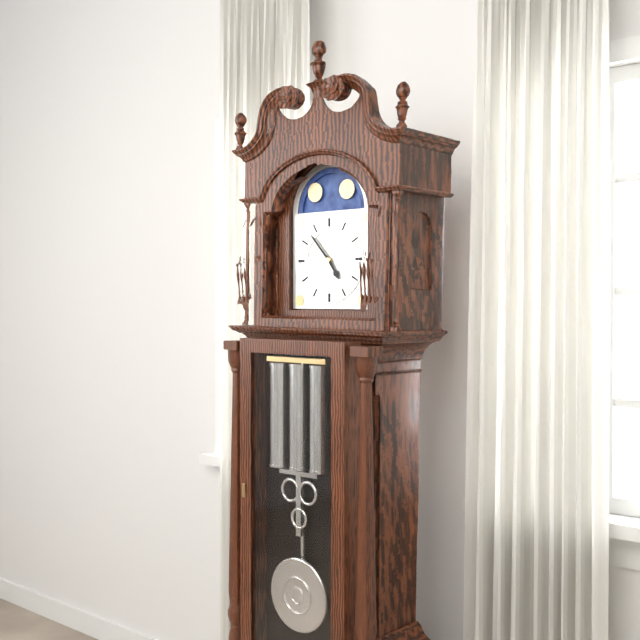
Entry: 4h53
